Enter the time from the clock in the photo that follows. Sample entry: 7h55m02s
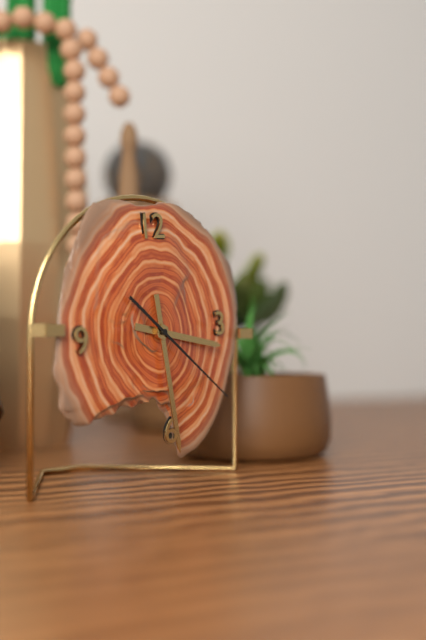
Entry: 3h29m22s
